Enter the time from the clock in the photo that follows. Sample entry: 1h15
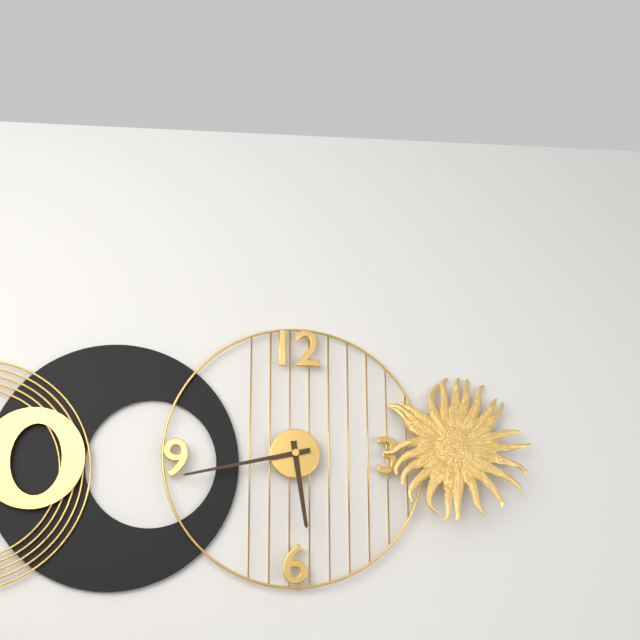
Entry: 5h43
